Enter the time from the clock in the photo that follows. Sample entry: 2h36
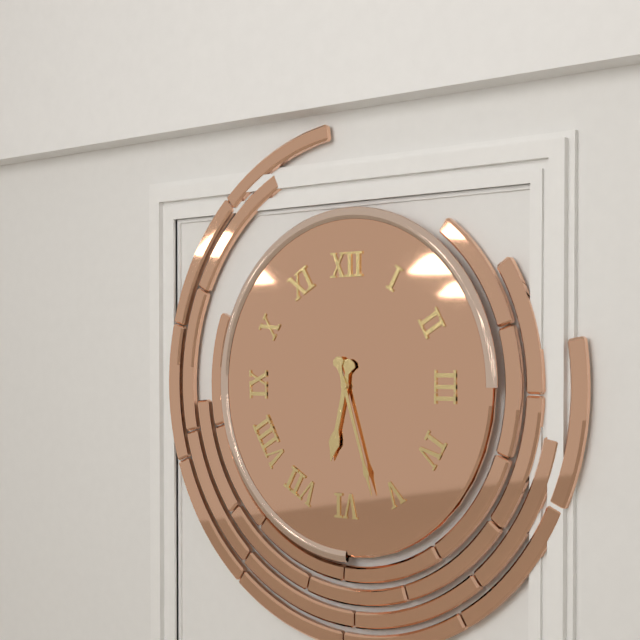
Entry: 6h27
